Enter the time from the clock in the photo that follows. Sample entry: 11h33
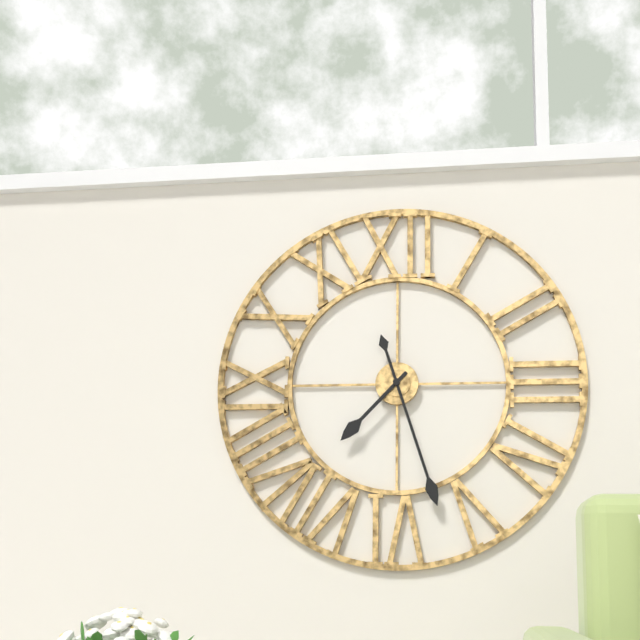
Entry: 7h27
